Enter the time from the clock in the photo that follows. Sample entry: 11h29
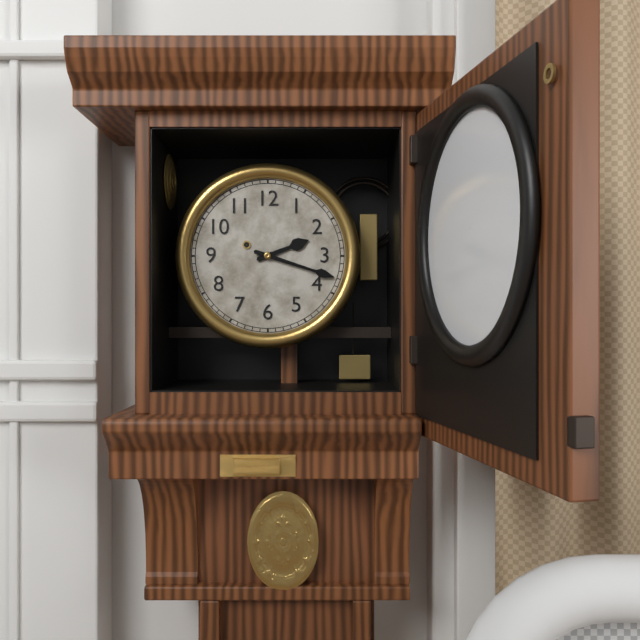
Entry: 2h18
